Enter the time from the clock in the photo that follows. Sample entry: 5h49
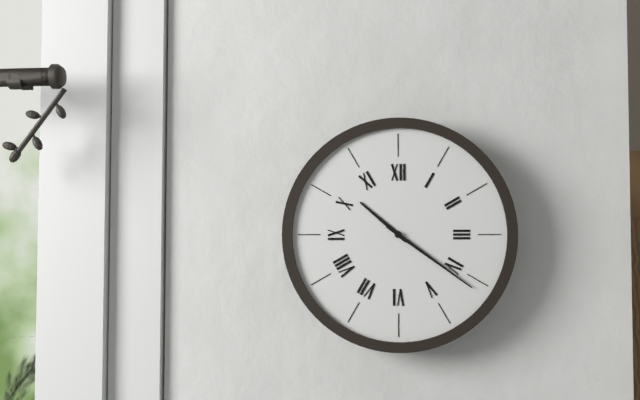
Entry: 10h21
